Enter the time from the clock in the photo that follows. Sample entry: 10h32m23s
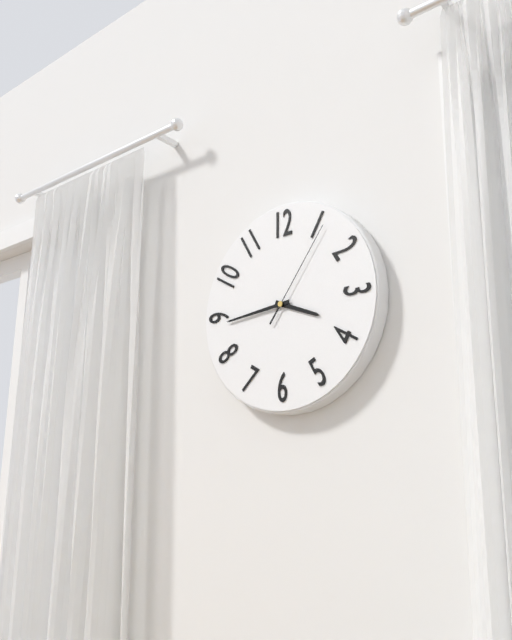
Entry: 3h44m06s
